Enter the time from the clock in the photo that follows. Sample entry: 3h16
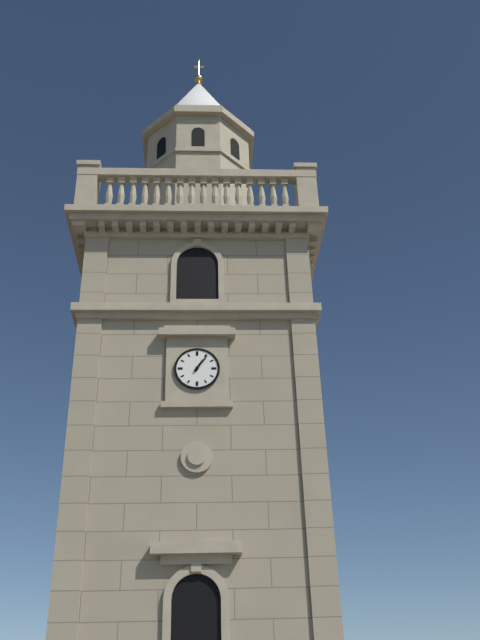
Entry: 1h06
